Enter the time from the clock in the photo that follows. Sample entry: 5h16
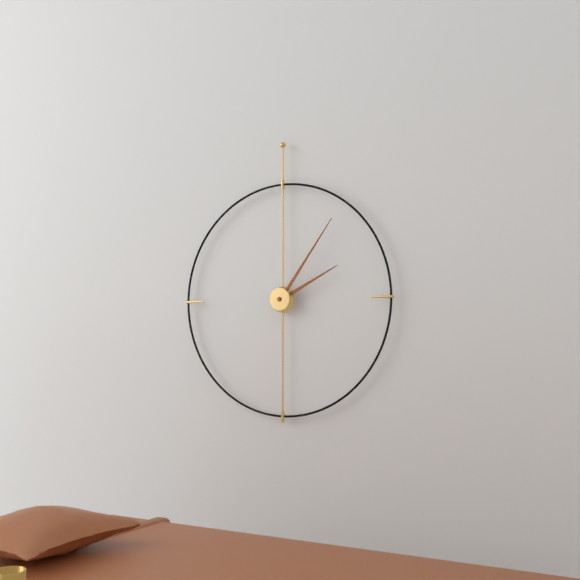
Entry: 2h06
